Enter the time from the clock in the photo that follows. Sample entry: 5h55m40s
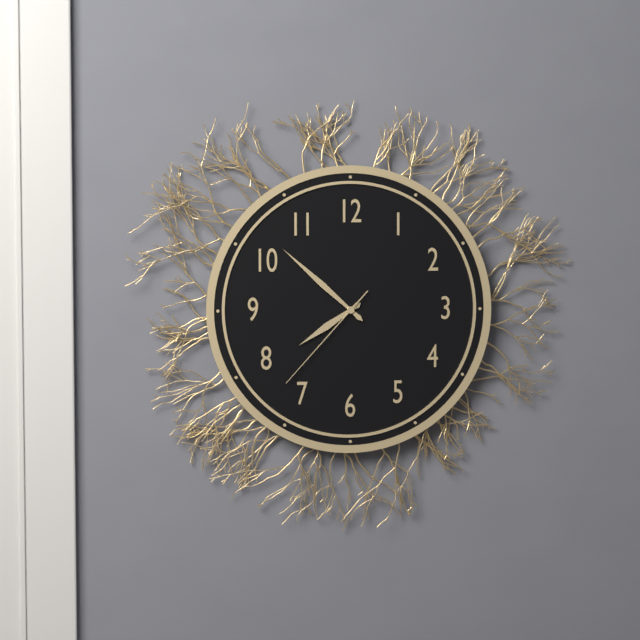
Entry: 7h52m37s
